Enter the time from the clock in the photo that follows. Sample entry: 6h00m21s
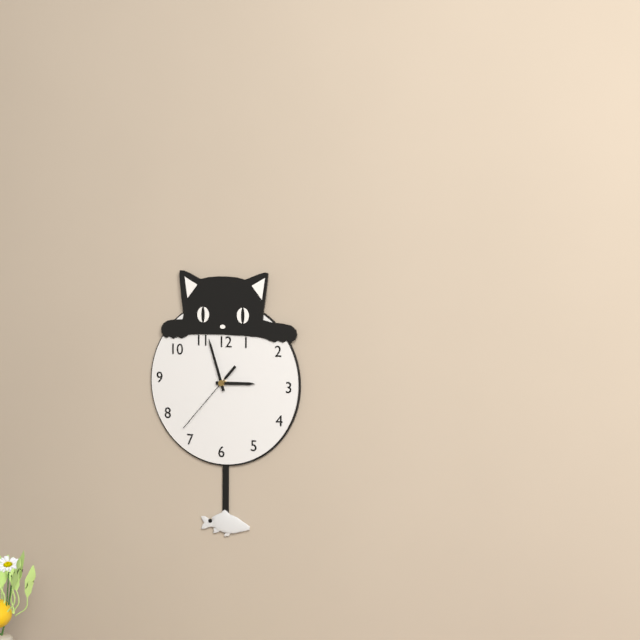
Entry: 2h57m37s
